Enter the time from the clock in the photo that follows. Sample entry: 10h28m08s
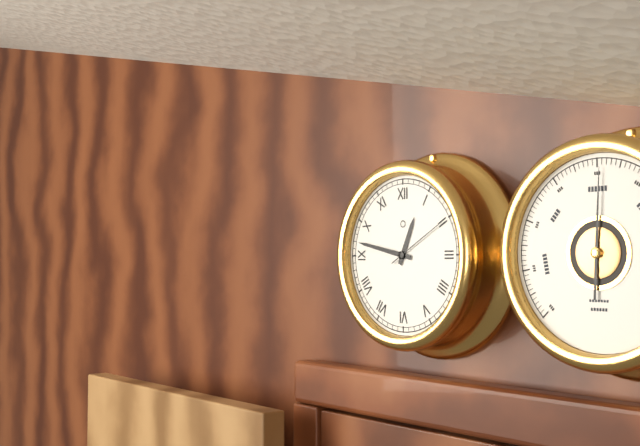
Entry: 12h47m10s
